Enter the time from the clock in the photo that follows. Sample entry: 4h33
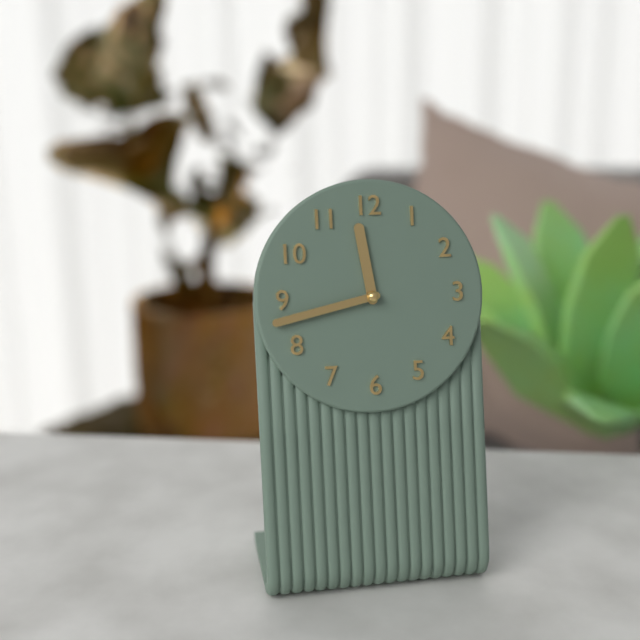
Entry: 11h43
